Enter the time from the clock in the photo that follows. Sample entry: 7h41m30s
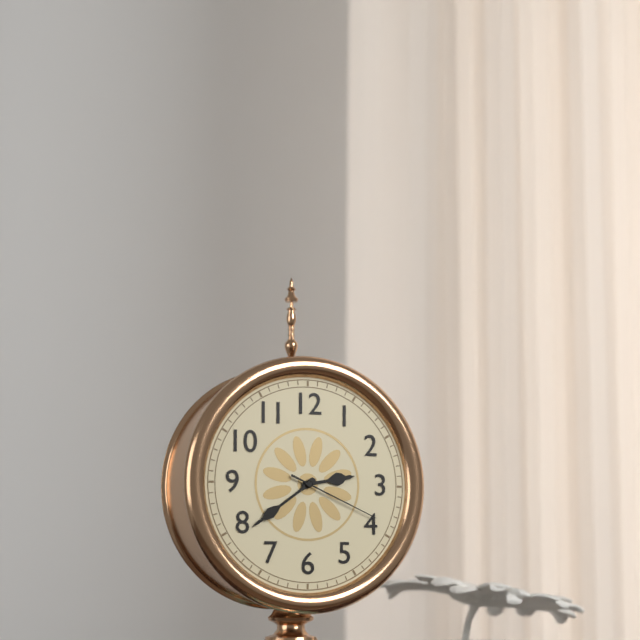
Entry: 2h39m19s
